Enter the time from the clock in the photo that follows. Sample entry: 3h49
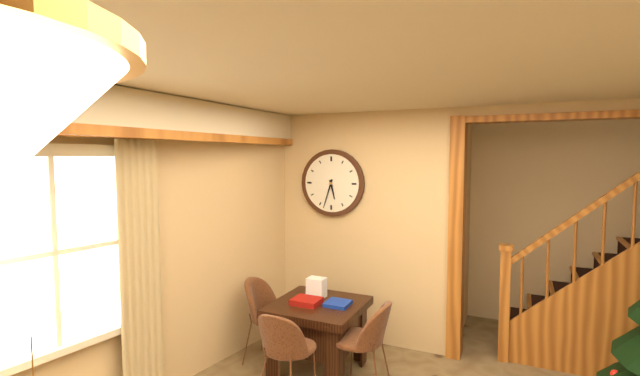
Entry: 5h33
